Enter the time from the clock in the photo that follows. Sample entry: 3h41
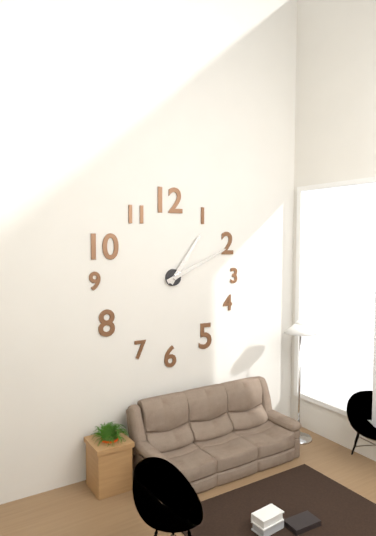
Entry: 1h11
